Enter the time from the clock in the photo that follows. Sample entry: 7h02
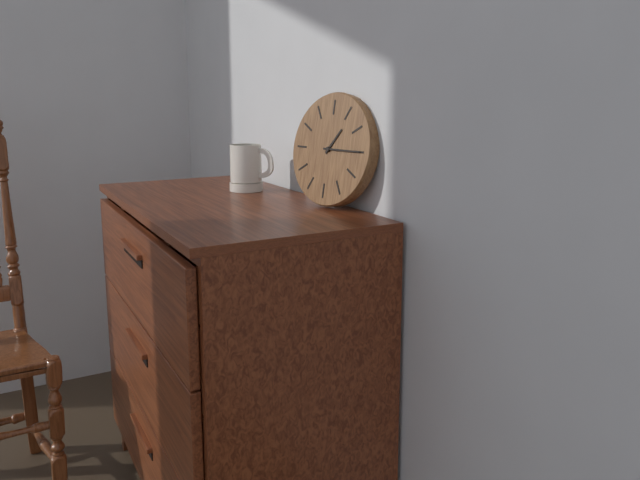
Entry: 1h15
